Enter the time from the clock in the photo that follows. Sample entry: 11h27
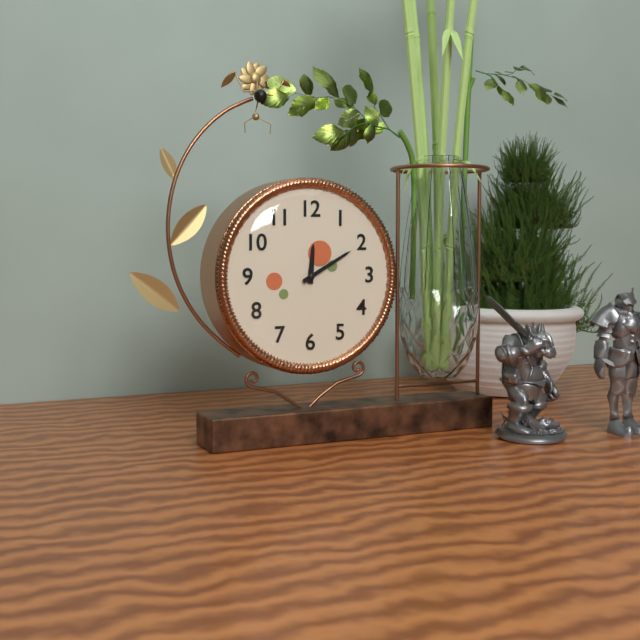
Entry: 12h10
